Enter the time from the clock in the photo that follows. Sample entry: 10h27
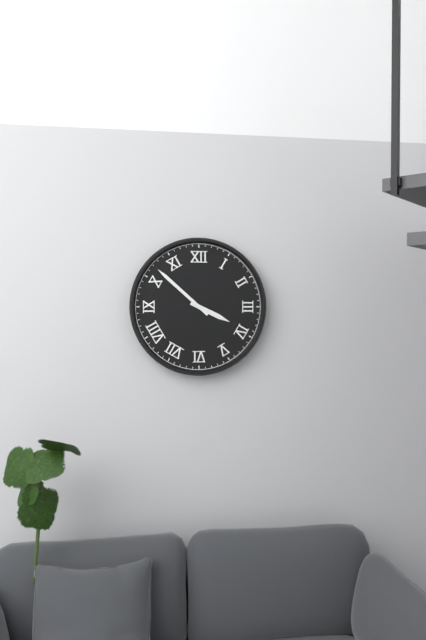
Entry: 3h52
